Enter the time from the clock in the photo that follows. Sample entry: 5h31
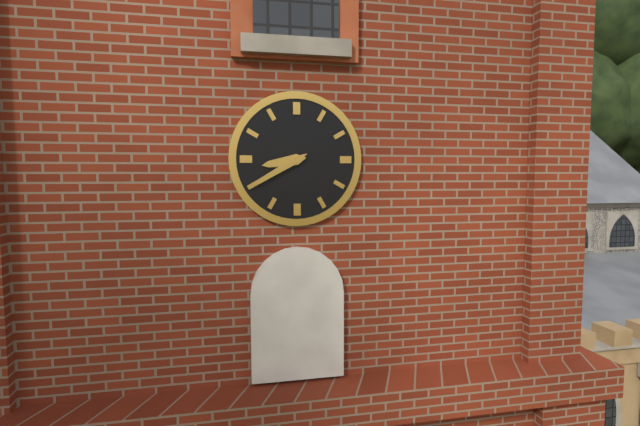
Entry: 8h40
